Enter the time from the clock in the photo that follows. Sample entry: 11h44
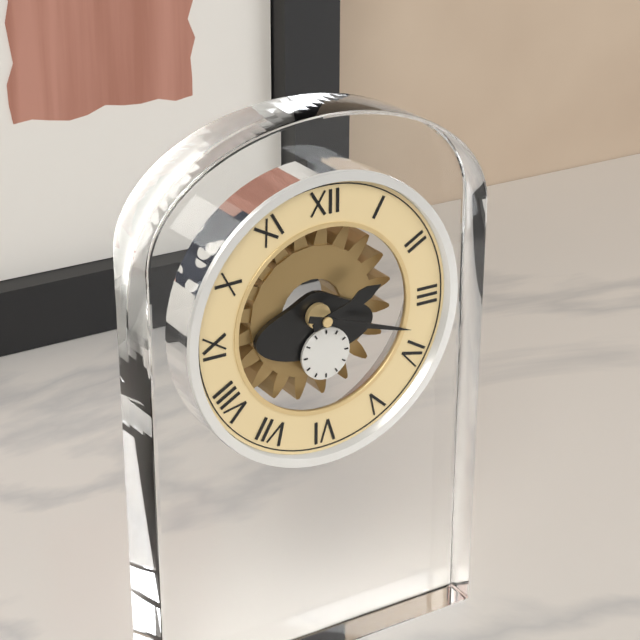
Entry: 2h18
